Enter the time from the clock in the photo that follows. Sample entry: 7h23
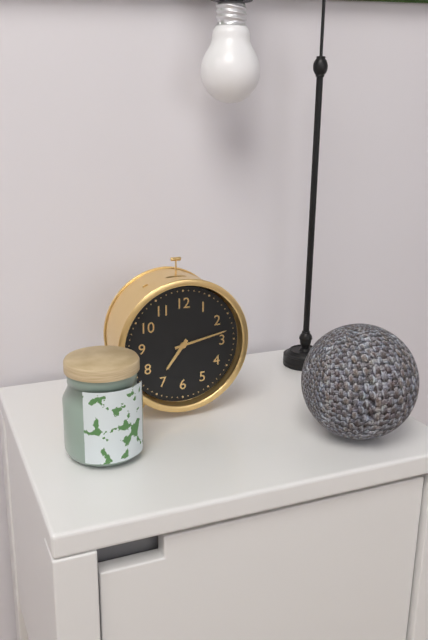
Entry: 7h13
